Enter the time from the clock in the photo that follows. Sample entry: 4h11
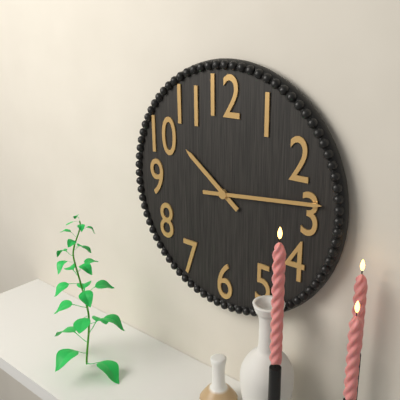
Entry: 10h14
